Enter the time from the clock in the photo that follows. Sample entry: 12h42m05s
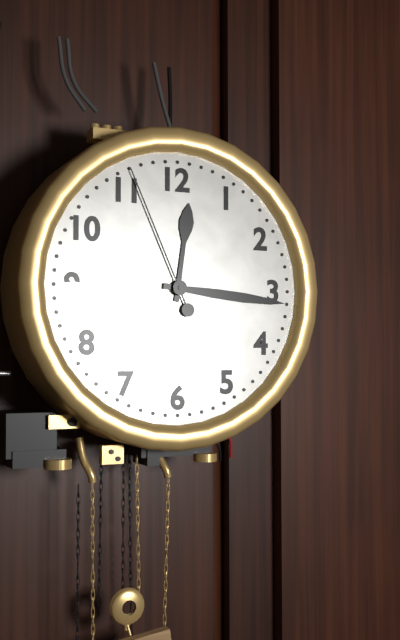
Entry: 12h16m56s
